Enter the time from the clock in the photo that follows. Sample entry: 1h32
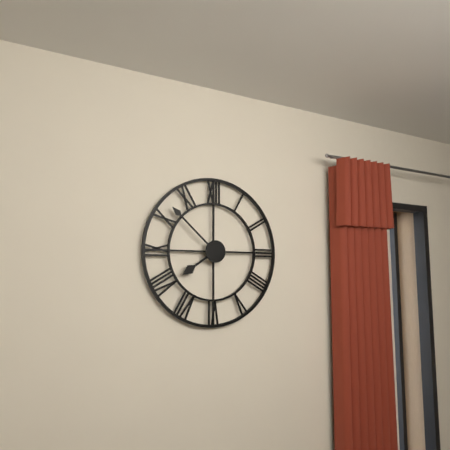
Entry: 7h52
